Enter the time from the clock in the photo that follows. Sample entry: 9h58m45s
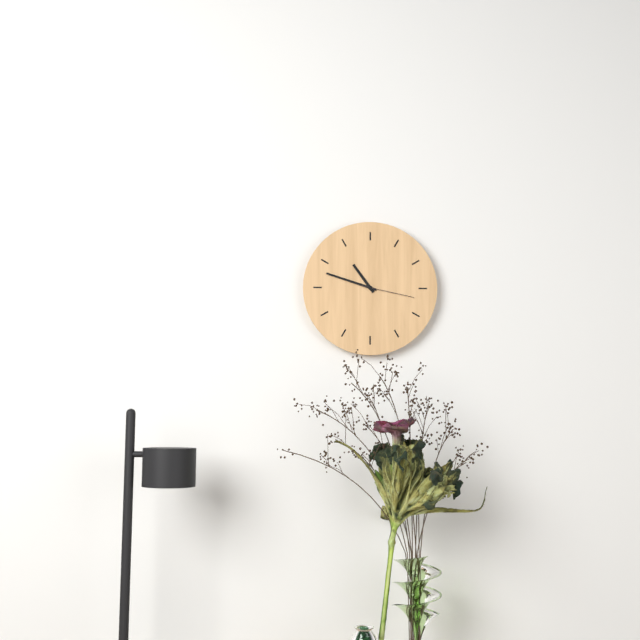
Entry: 10h48m17s
